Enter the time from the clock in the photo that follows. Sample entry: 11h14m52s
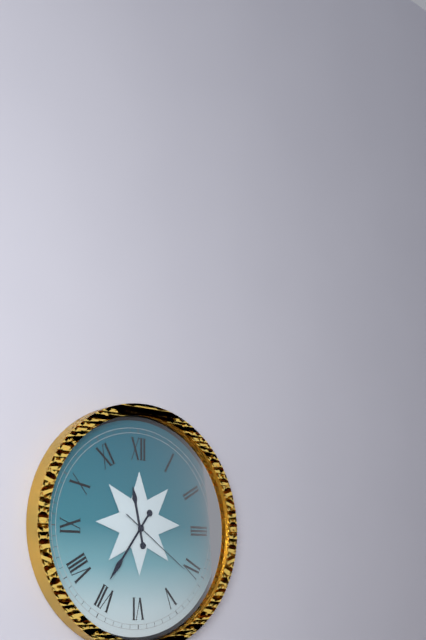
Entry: 11h36m21s
